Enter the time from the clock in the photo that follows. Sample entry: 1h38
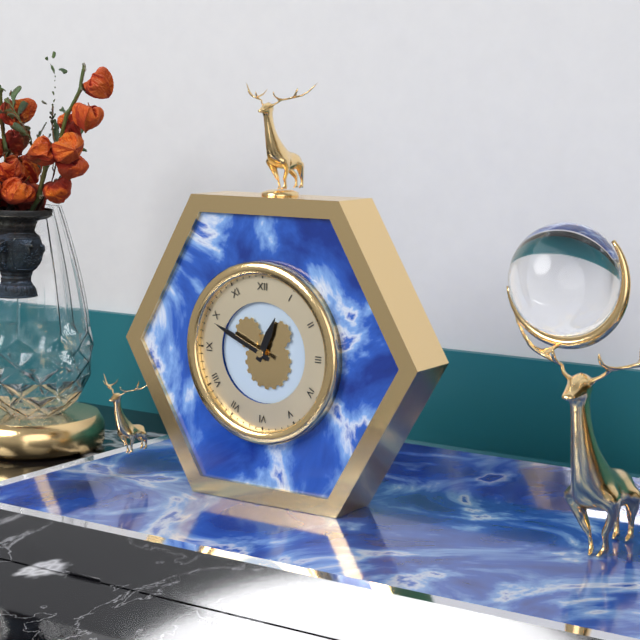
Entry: 12h49
